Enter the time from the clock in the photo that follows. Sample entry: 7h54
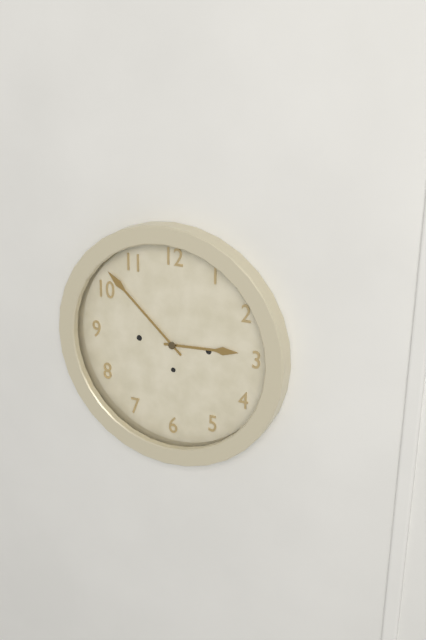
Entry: 2h52
